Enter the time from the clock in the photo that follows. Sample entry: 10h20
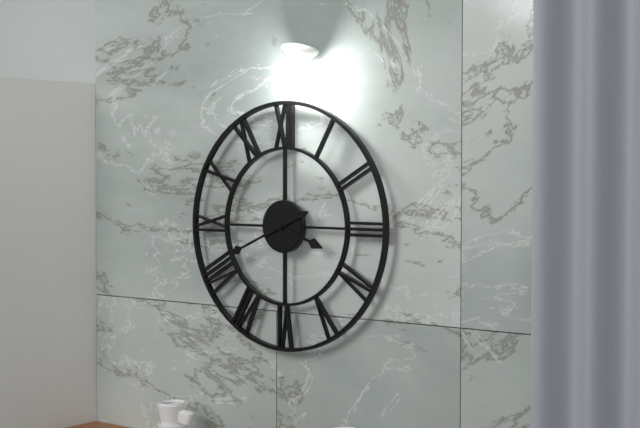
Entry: 3h41
